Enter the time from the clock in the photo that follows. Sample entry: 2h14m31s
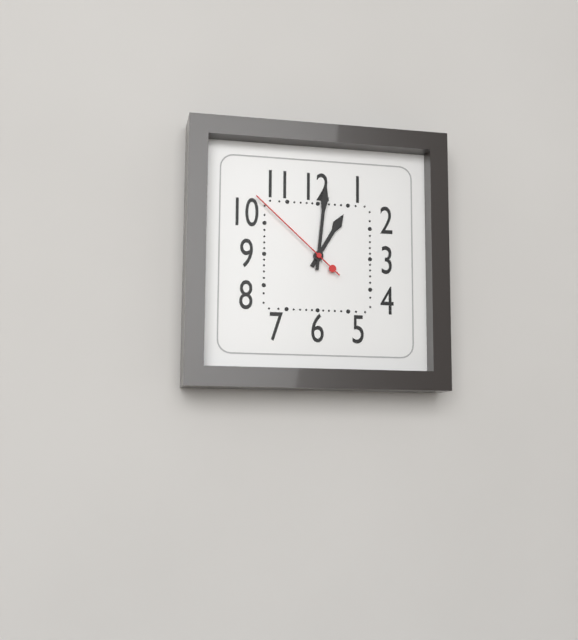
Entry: 1h01m52s
